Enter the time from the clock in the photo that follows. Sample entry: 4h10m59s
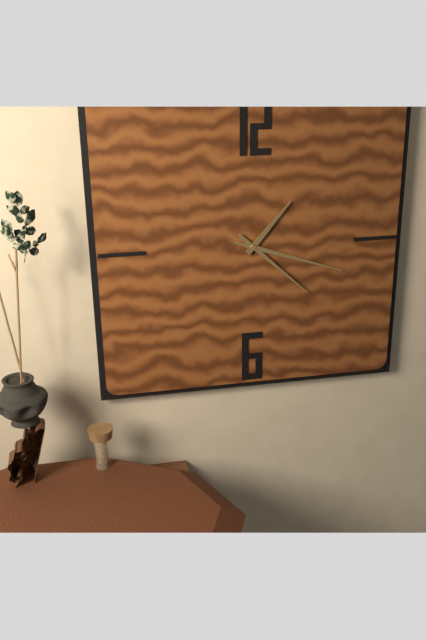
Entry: 1h22m18s
